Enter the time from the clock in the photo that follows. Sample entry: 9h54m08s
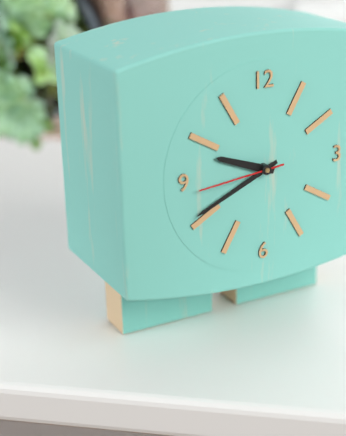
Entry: 9h41m44s
